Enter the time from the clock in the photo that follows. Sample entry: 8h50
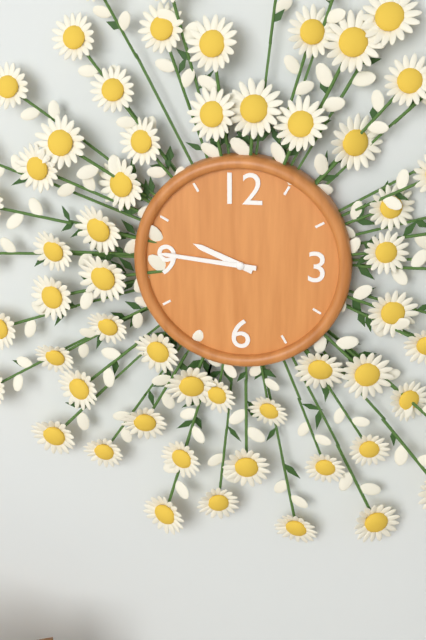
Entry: 9h46
